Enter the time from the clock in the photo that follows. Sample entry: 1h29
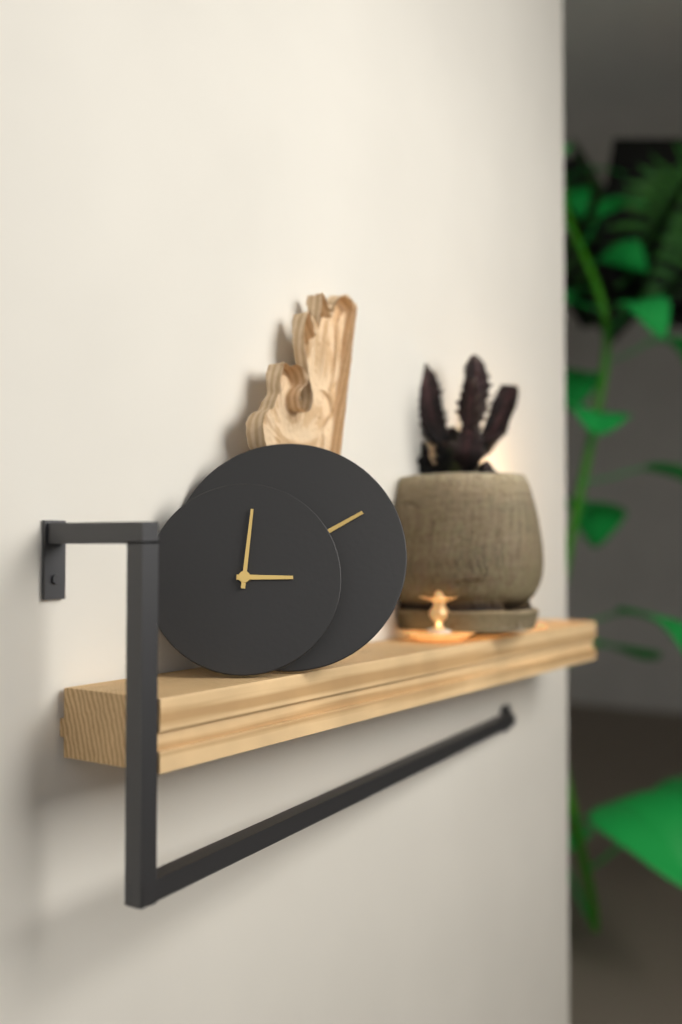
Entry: 3h01
